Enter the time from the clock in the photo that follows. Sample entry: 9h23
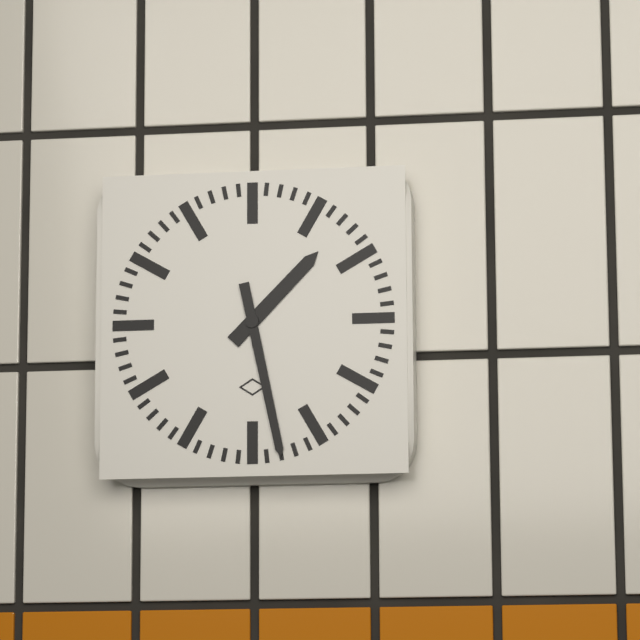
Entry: 1h28
